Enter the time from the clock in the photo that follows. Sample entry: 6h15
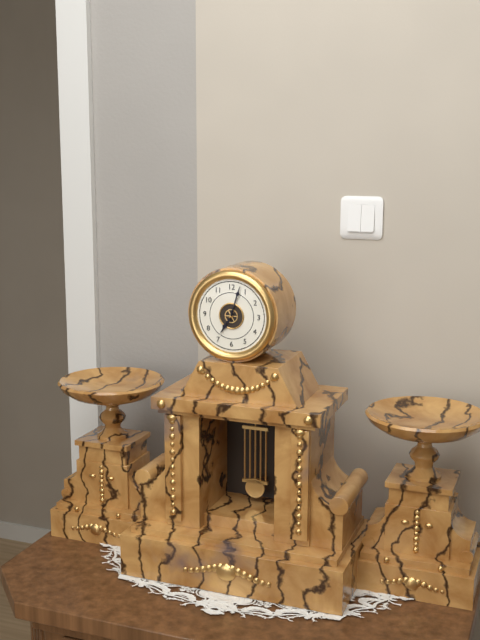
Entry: 7h03
